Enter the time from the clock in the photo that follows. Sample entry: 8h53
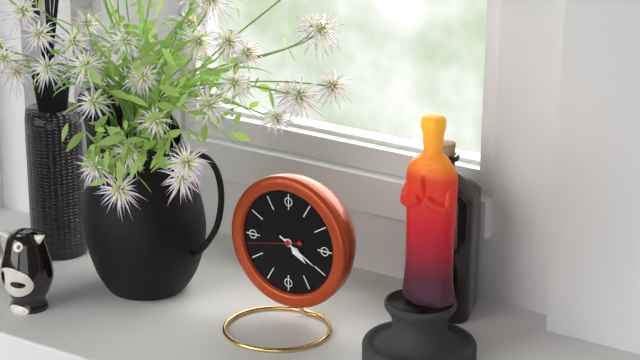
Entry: 4h20
